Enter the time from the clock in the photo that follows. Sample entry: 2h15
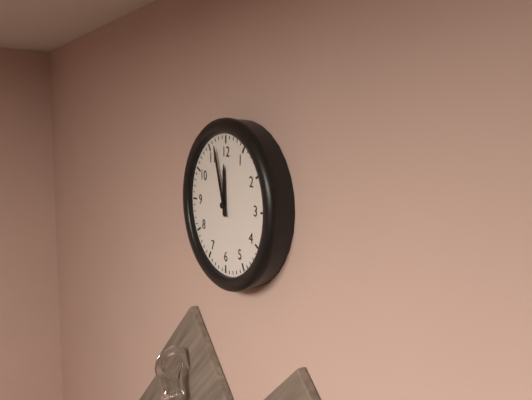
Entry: 11h57
